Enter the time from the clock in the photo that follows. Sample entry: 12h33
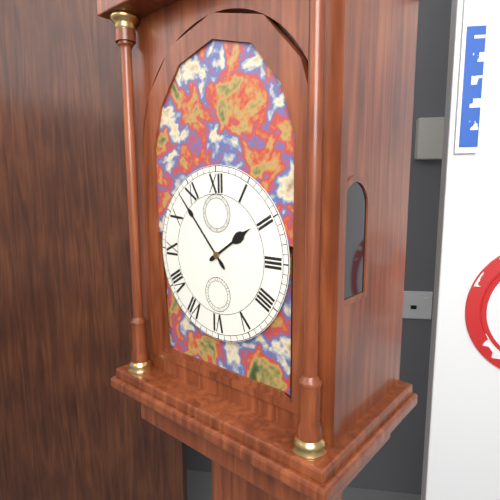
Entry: 1h53
